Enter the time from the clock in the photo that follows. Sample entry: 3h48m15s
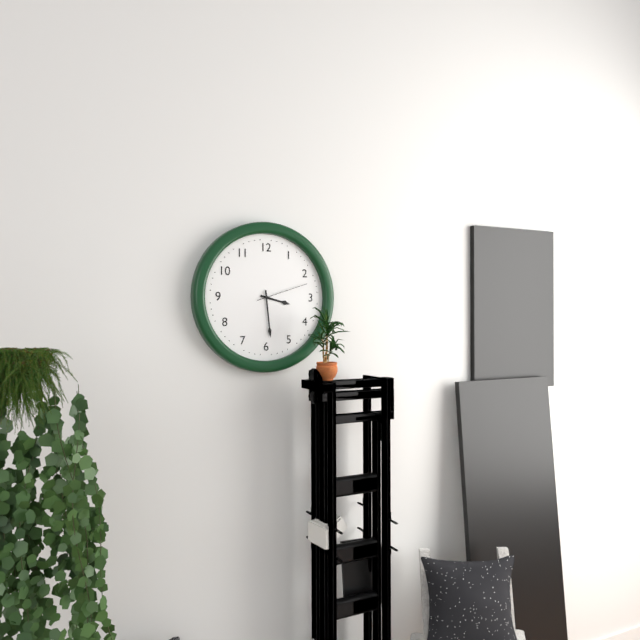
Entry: 3h29m12s
